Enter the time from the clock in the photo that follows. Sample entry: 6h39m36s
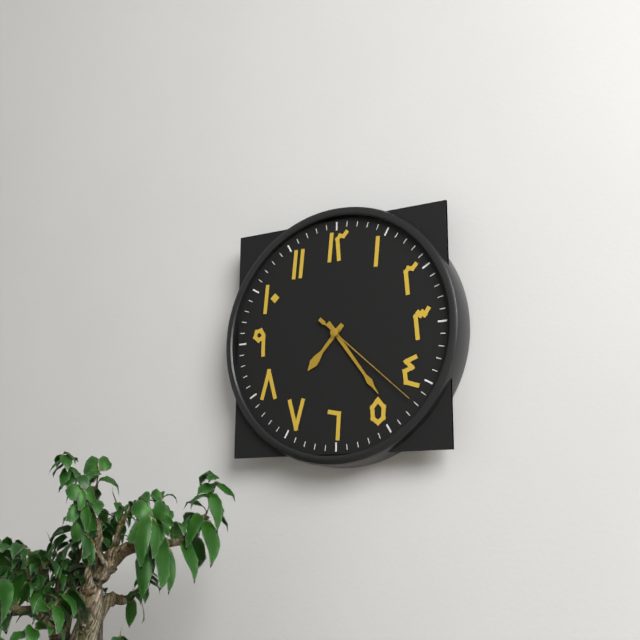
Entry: 7h24m22s
